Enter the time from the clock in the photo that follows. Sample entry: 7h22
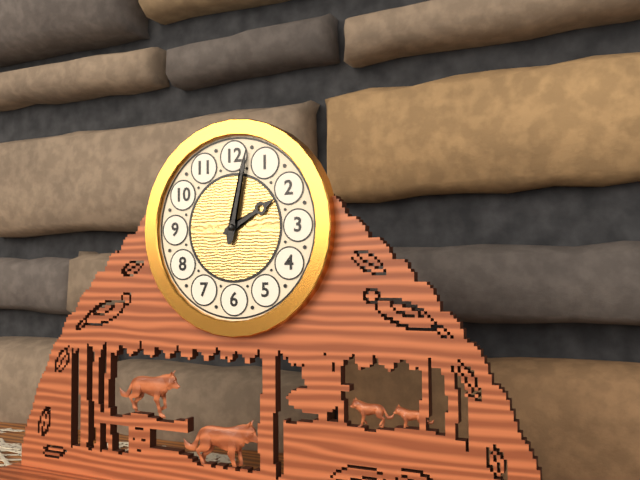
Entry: 2h02
